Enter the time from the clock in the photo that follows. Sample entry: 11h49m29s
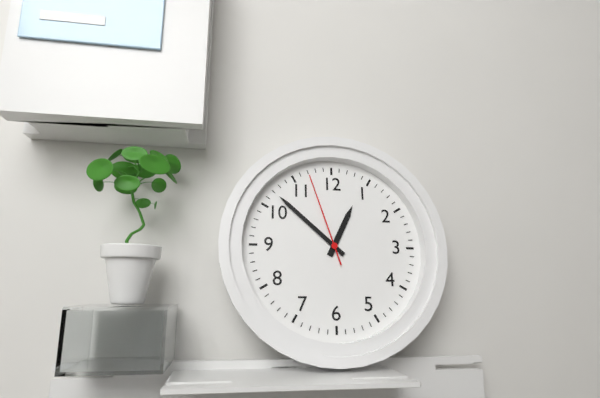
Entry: 12h52m57s
